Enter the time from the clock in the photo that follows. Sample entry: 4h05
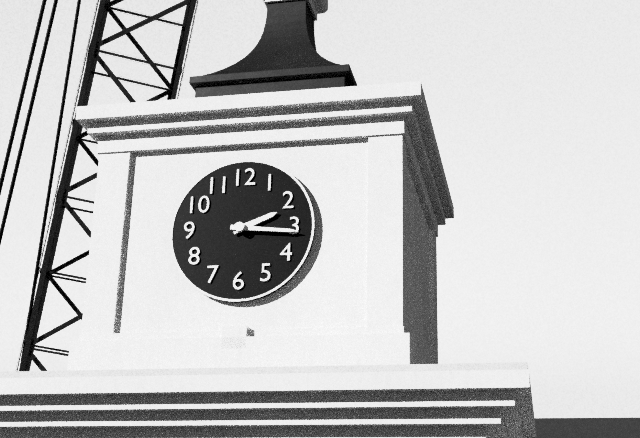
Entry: 2h16
